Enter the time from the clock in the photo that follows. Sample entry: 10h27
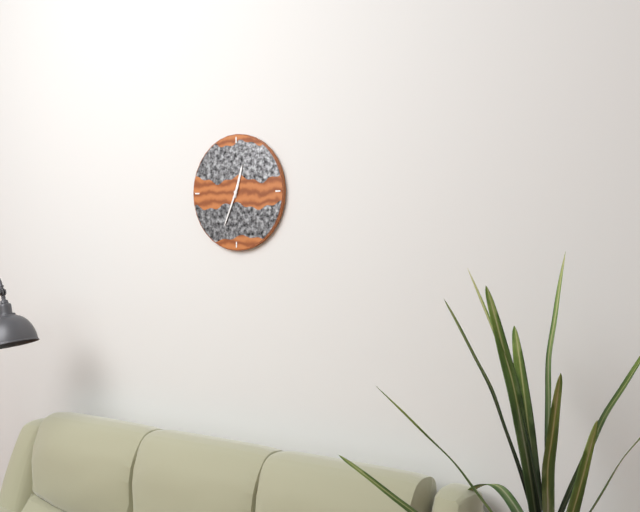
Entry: 12h34
